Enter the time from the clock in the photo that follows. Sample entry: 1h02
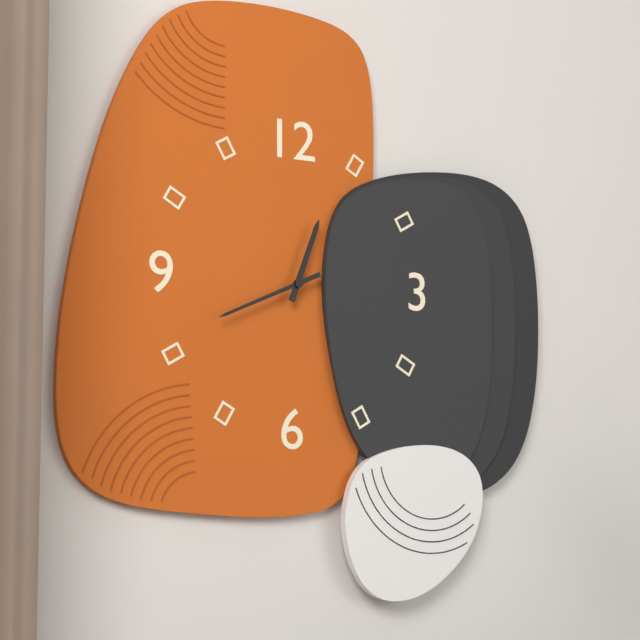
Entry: 12h41
